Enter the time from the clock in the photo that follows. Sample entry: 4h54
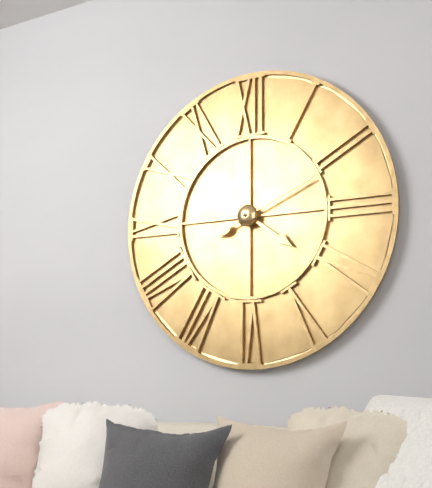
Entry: 4h11
